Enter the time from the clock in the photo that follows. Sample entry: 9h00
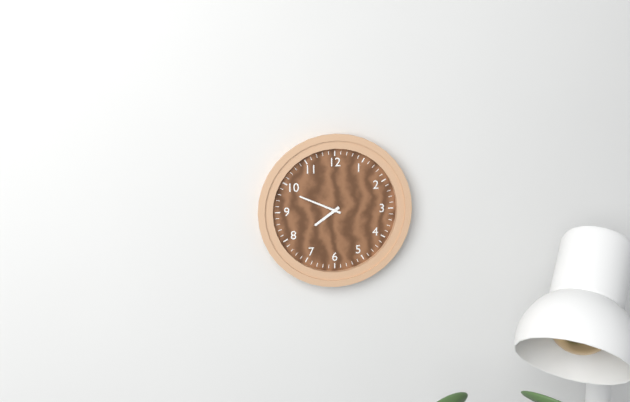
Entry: 7h49
